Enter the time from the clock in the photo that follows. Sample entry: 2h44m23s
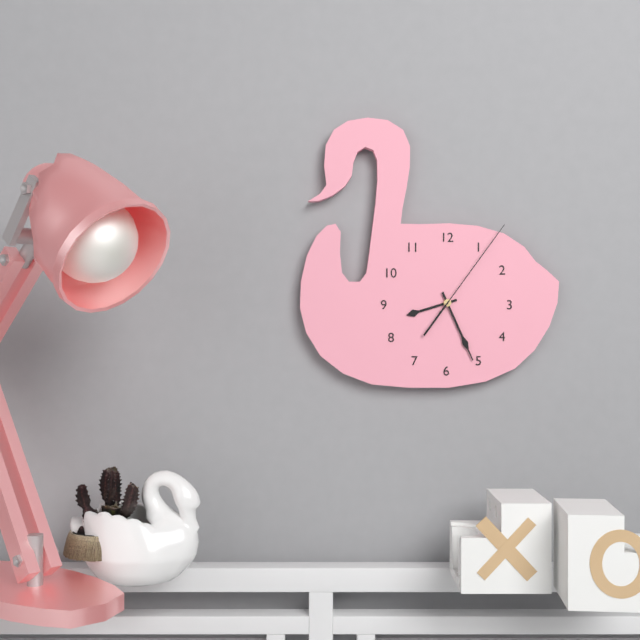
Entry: 8h26m06s
